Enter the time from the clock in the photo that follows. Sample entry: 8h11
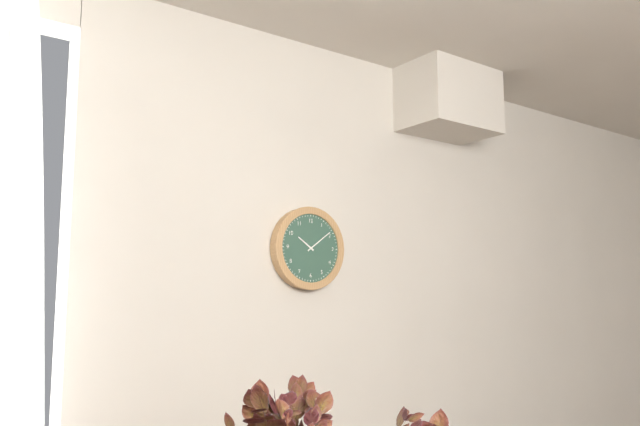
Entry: 10h09
